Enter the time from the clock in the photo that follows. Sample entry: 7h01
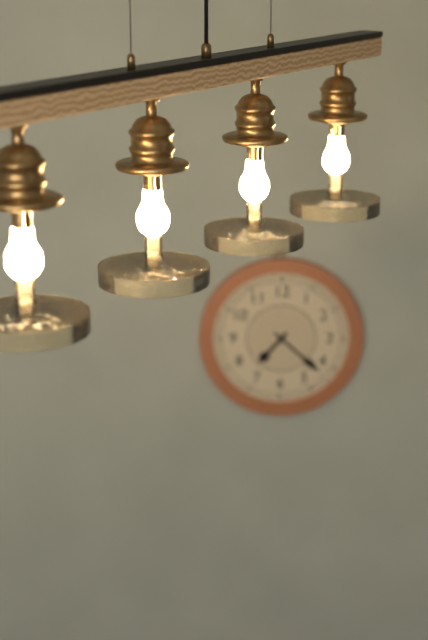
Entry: 7h22
